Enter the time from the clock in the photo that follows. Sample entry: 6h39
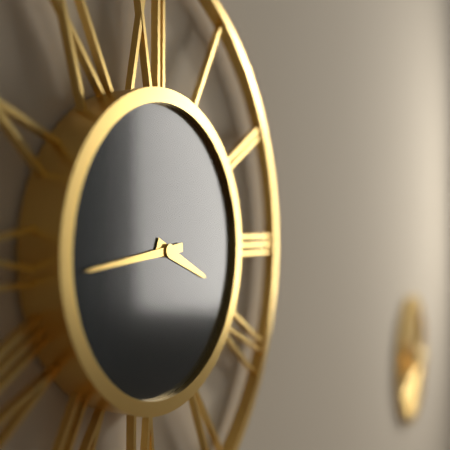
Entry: 3h44
